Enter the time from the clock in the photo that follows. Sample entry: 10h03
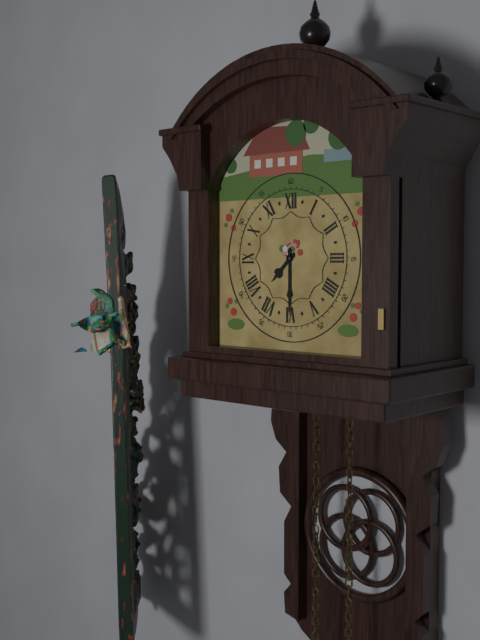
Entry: 7h30
